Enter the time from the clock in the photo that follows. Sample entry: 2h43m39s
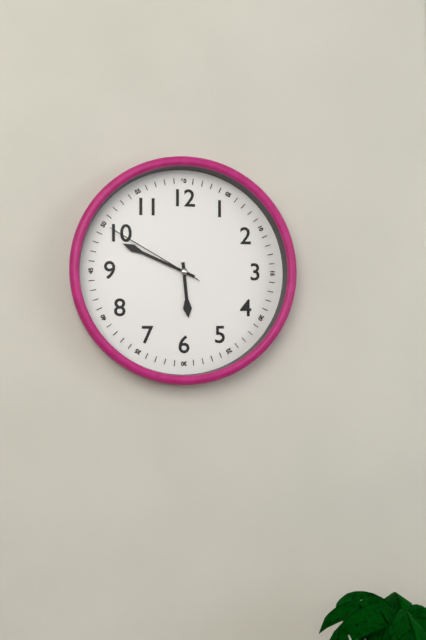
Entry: 5h49m50s
